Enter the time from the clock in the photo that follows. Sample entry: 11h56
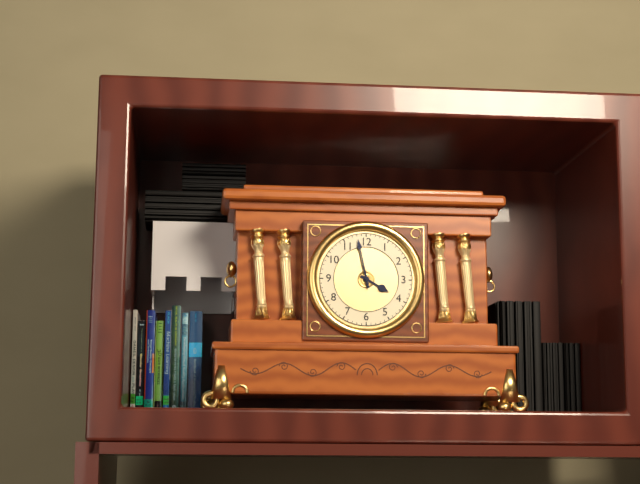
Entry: 3h58
